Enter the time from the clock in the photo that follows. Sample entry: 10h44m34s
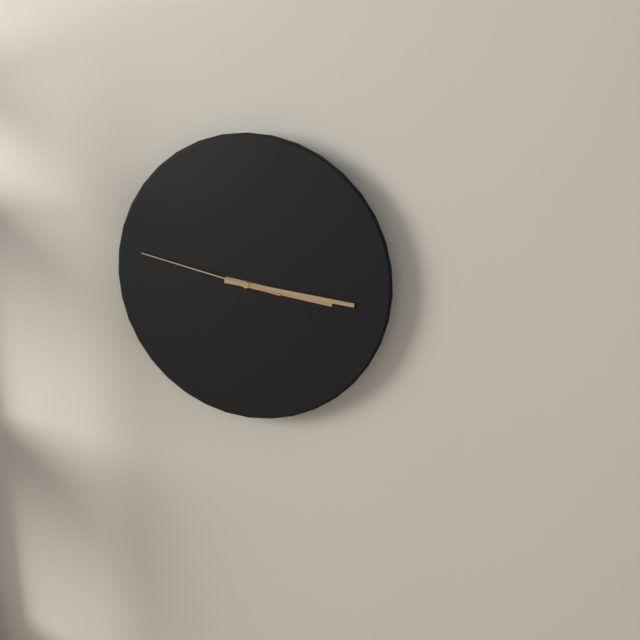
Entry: 3h16m47s
